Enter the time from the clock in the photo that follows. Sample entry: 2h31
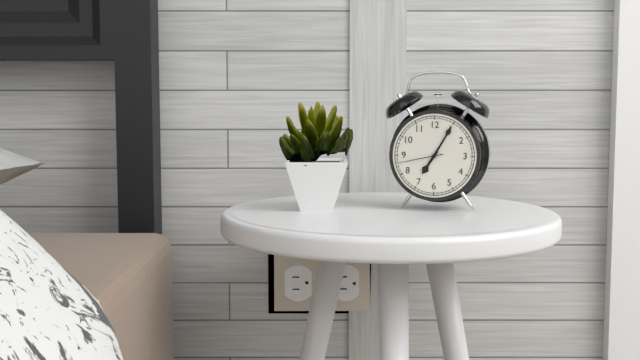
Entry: 7h05
